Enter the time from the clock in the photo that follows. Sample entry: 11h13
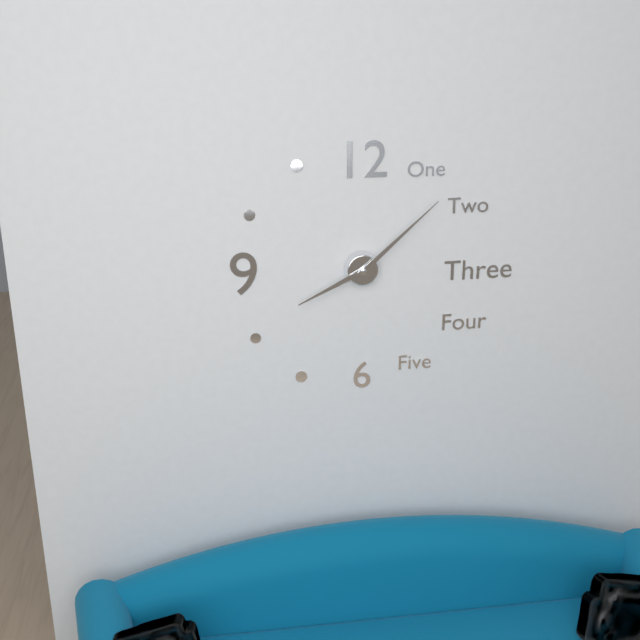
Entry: 8h08
